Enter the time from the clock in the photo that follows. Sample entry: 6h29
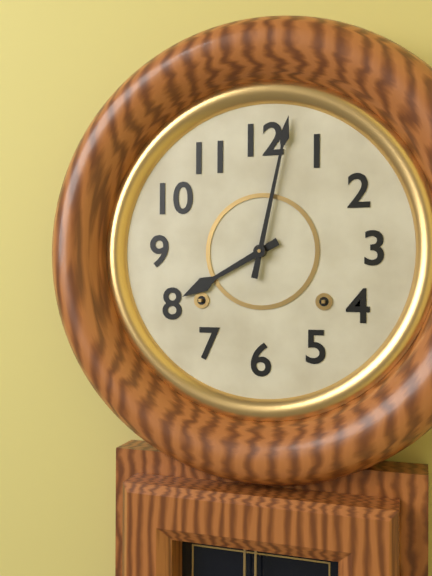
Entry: 8h02
